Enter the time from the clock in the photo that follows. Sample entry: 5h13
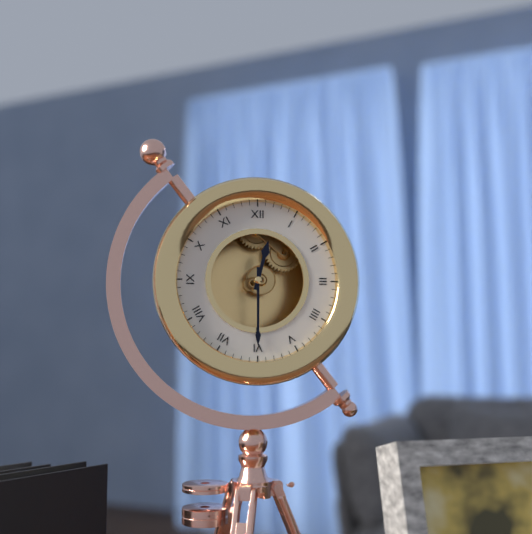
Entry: 12h30
